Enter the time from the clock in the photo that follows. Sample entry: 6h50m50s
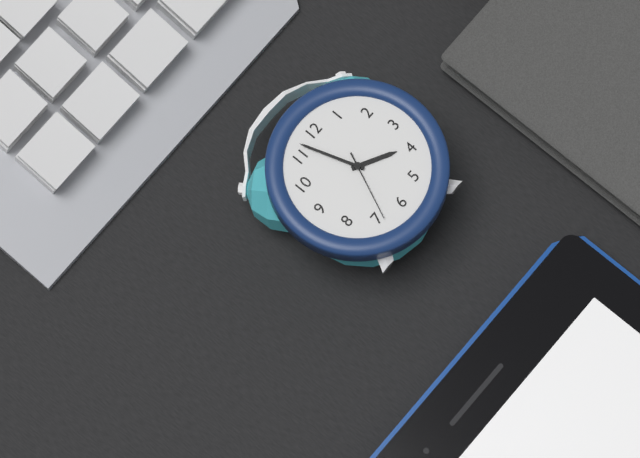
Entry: 3h57m34s
